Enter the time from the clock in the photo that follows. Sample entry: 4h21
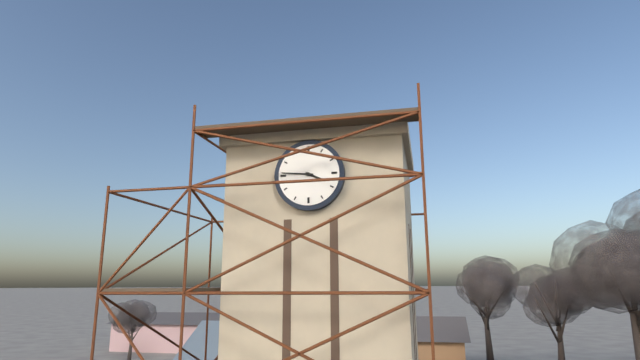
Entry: 3h46
